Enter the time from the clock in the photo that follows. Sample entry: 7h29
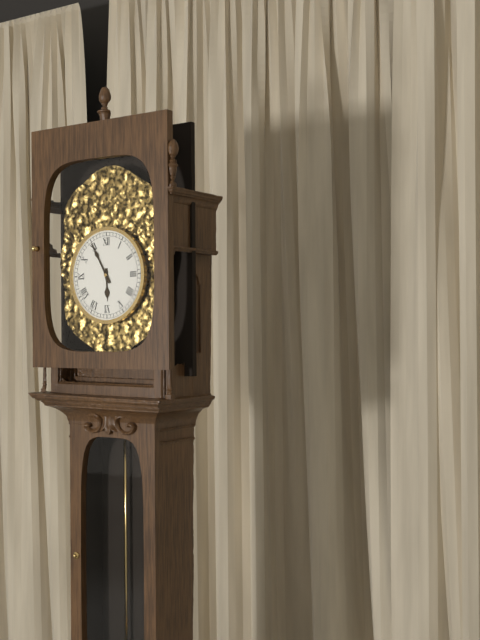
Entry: 5h55
